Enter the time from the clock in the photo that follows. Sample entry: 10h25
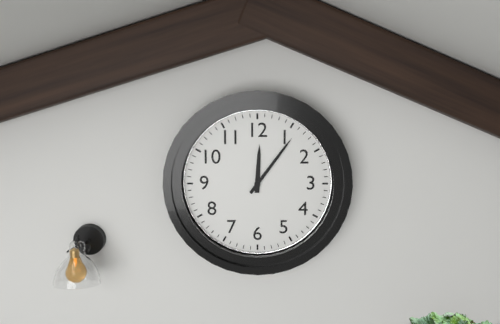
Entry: 12h06
